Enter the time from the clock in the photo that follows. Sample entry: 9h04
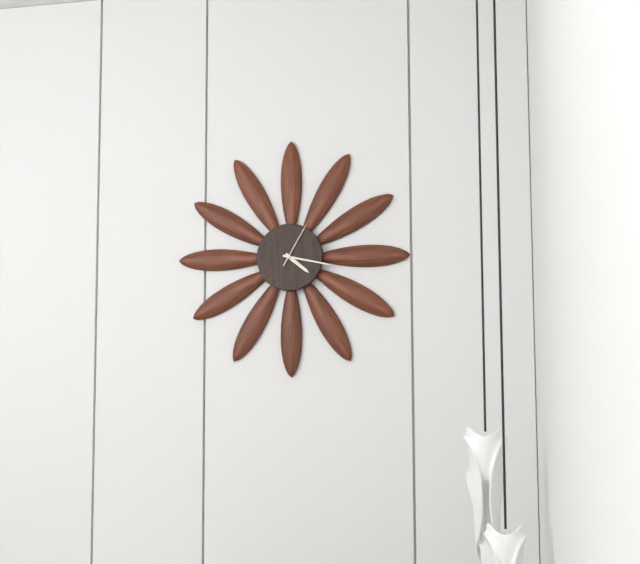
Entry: 4h17
